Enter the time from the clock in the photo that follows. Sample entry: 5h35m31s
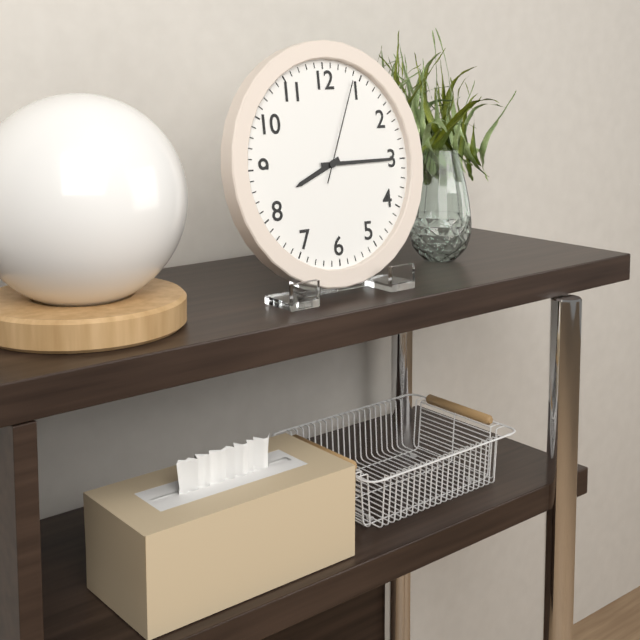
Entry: 8h15m04s
